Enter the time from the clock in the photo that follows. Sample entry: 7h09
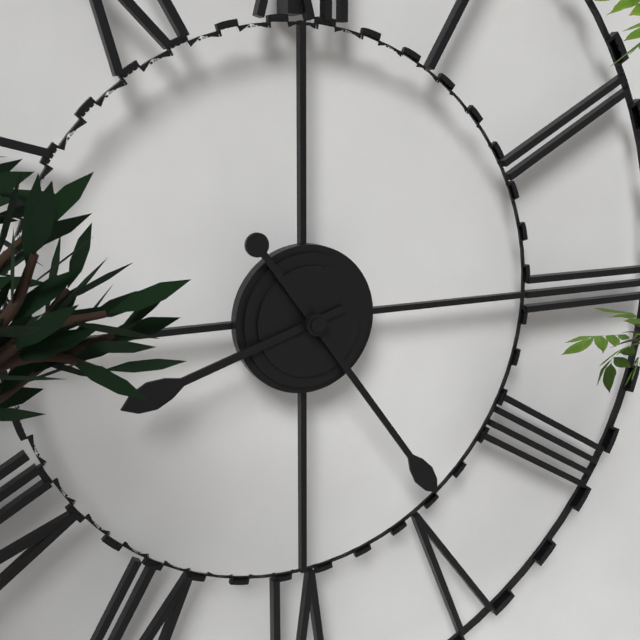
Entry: 8h24
